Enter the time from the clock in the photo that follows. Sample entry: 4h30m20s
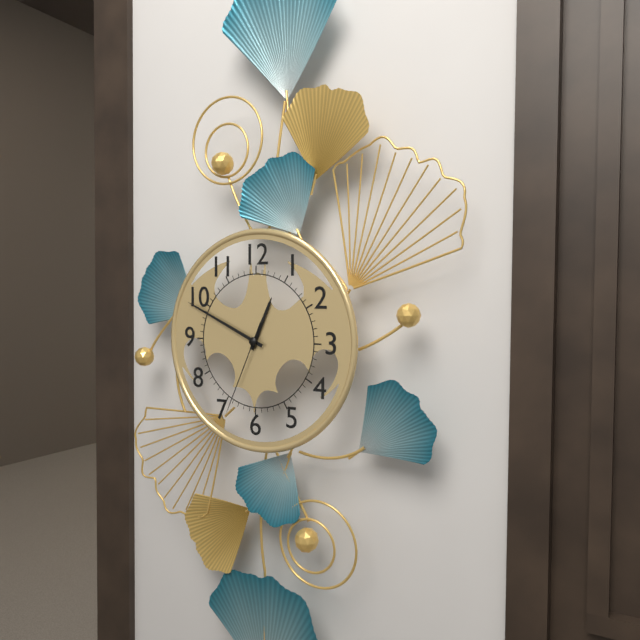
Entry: 12h49m34s
